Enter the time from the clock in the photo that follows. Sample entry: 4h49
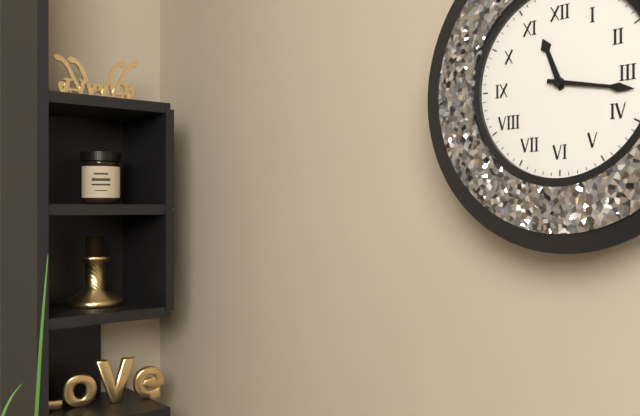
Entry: 11h17
